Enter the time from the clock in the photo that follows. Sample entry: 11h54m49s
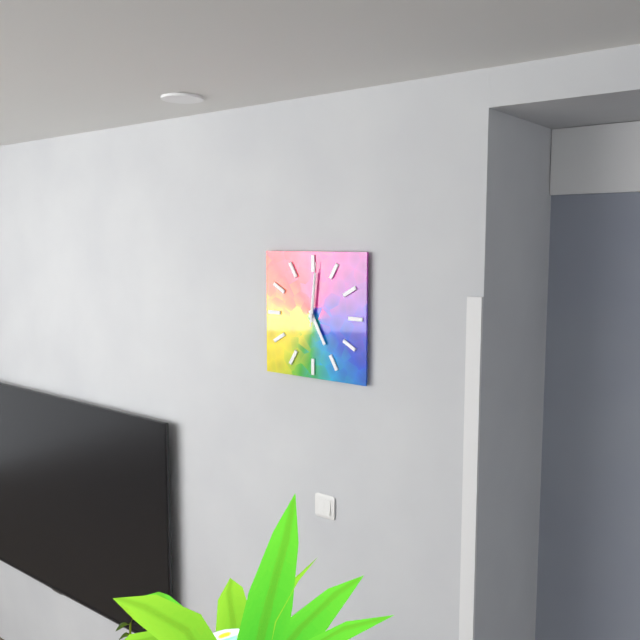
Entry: 5h01m01s
